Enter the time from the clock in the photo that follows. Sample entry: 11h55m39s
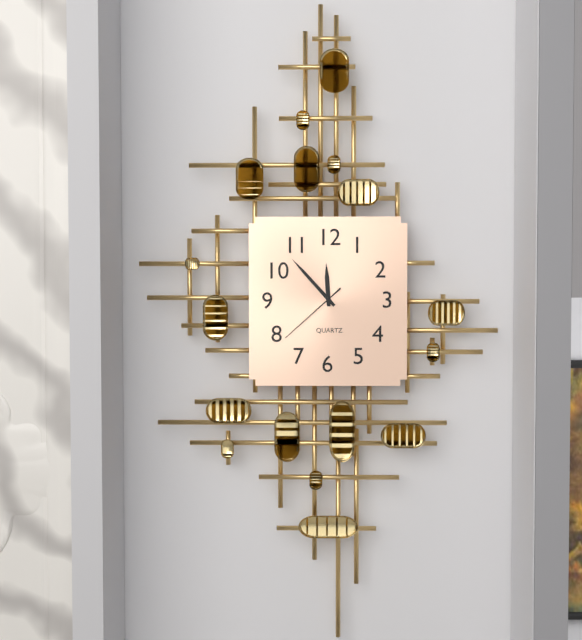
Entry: 11h53m38s
